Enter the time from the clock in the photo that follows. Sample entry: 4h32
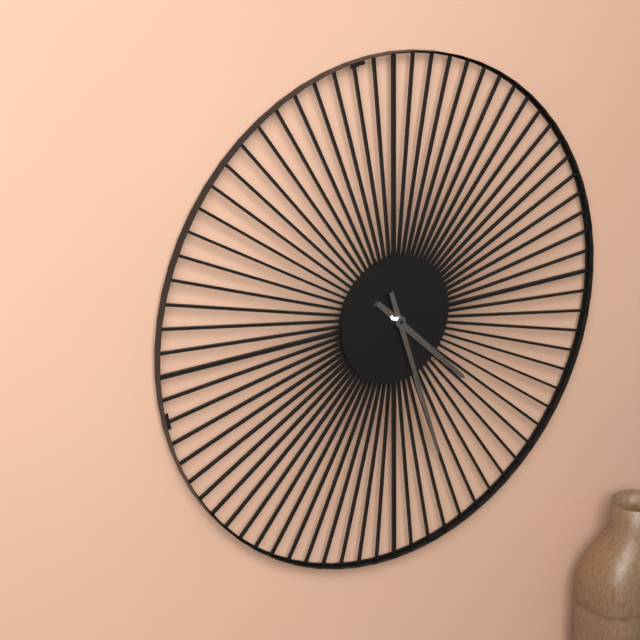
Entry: 4h27
